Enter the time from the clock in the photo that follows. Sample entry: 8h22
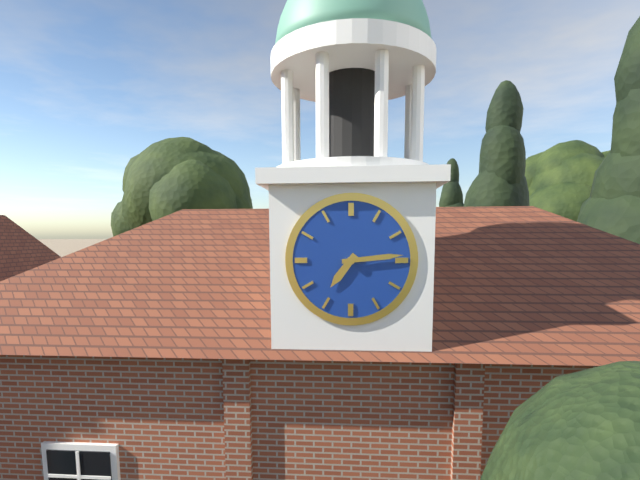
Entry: 7h14
